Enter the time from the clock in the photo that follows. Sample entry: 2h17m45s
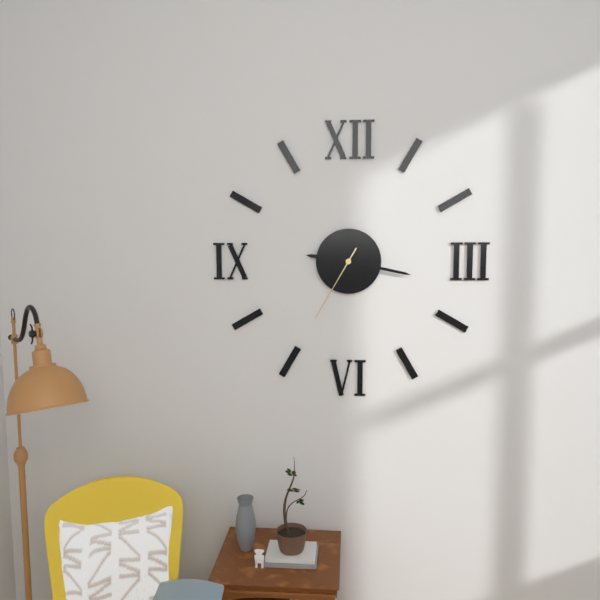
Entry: 9h17m35s
